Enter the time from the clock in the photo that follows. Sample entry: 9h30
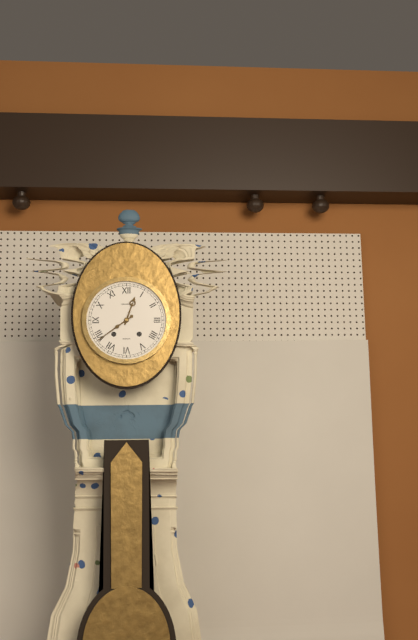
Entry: 12h39
